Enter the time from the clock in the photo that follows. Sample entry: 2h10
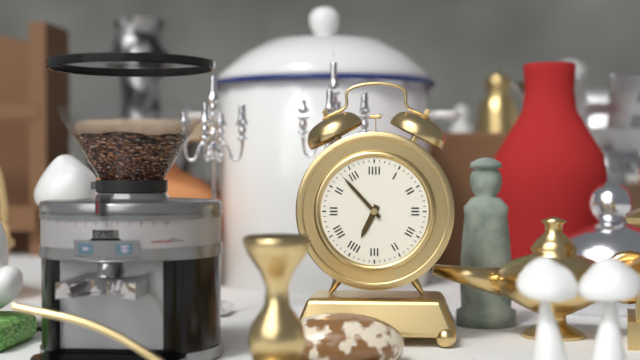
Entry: 6h53
